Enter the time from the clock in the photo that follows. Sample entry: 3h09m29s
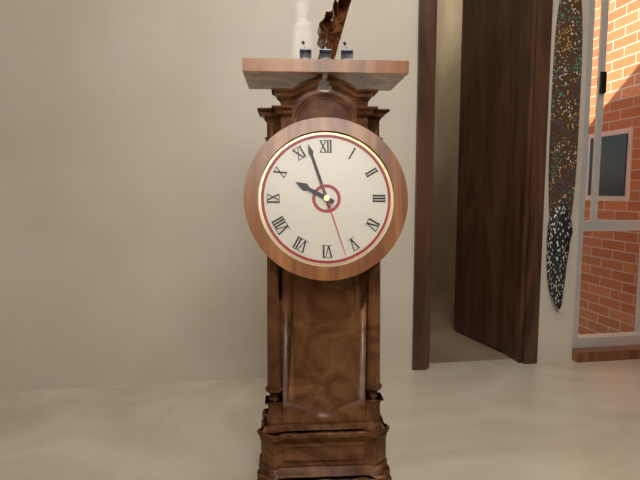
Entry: 9h57m27s
